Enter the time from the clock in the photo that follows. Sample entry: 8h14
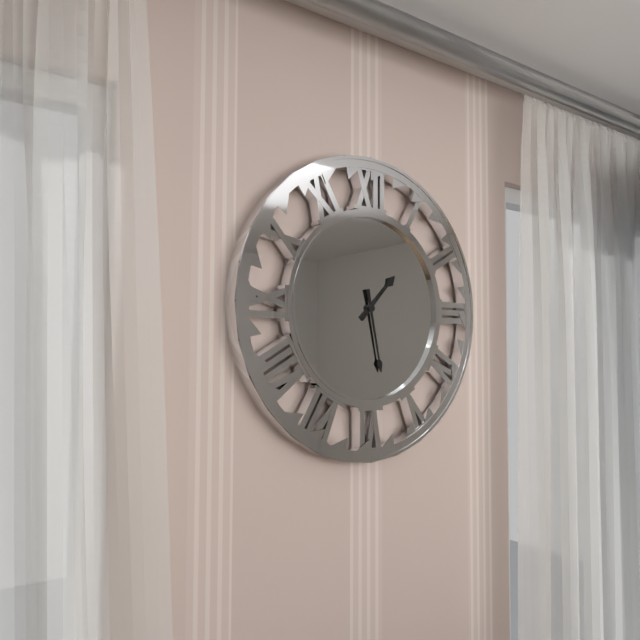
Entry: 1h28
